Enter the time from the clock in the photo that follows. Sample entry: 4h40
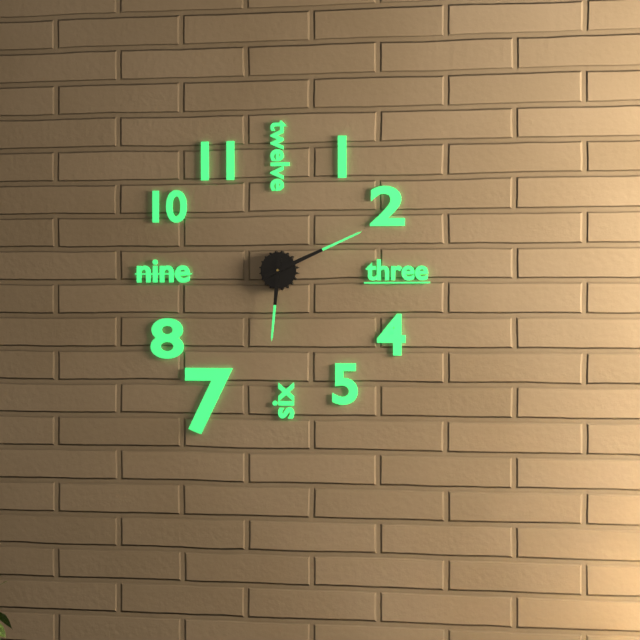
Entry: 6h11
